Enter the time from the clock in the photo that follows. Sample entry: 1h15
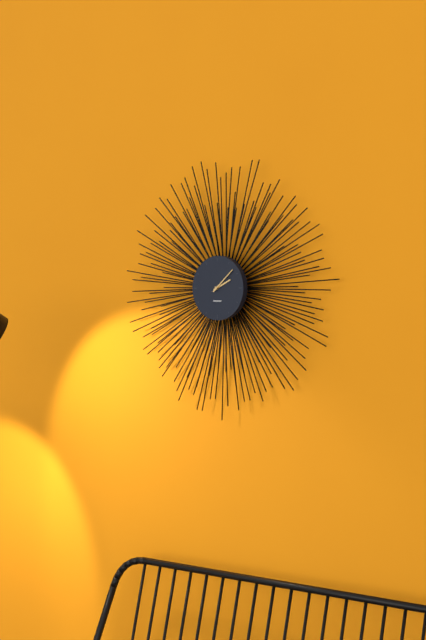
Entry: 2h08
